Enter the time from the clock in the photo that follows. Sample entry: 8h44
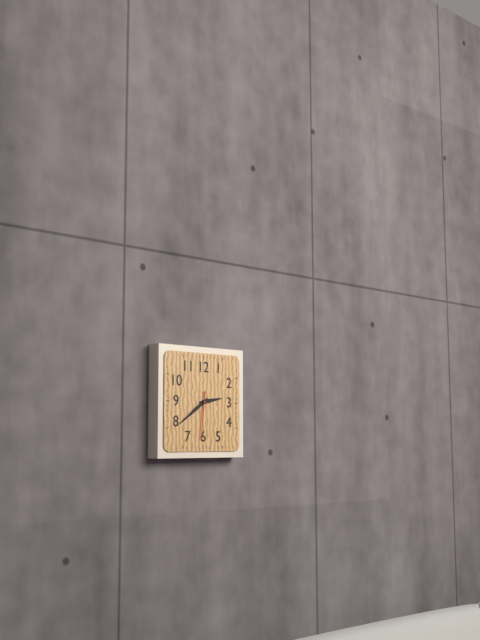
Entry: 2h39
